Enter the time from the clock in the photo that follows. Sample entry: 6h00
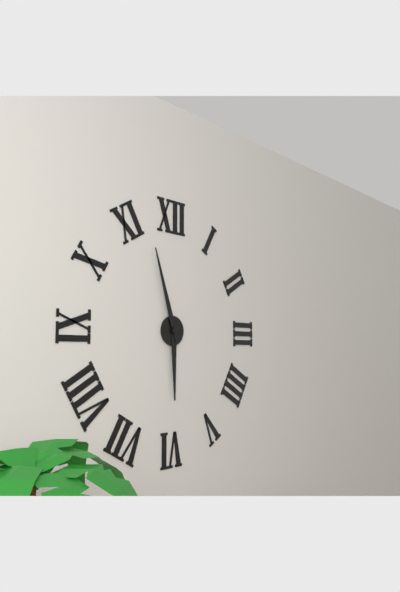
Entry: 5h57
